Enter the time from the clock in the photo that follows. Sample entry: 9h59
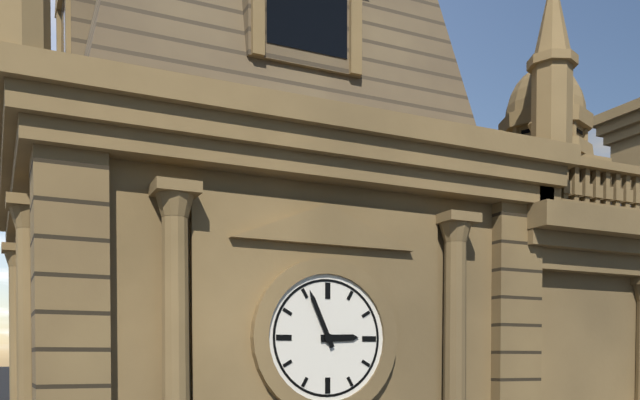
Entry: 2h56
